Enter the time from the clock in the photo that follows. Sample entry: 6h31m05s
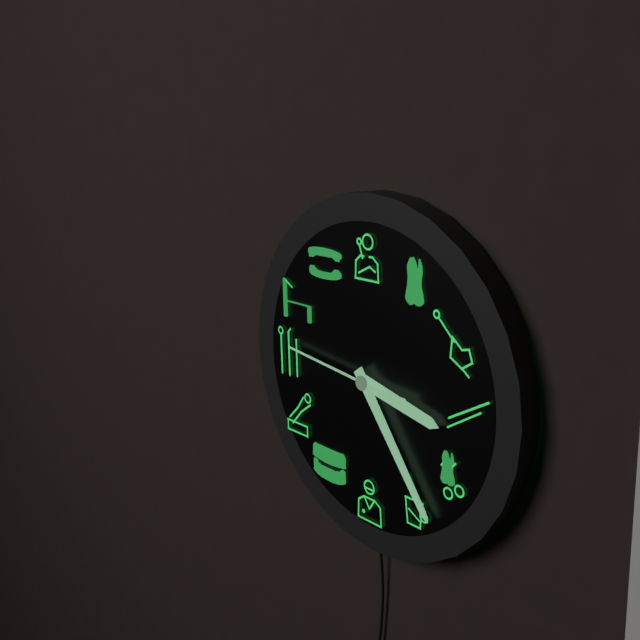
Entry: 3h24m46s
